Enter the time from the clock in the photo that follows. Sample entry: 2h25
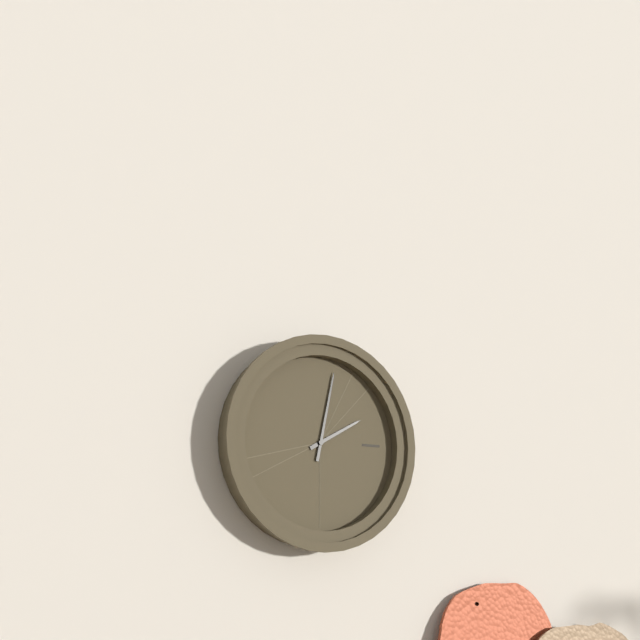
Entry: 2h02
